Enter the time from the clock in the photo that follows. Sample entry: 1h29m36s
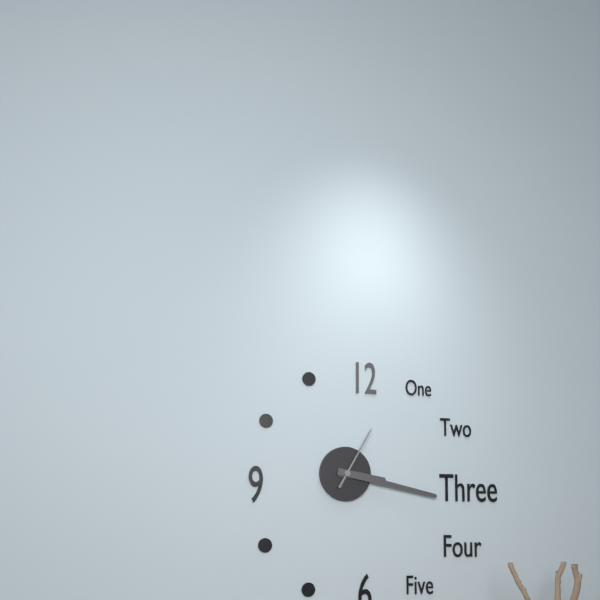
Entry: 3h17m05s
